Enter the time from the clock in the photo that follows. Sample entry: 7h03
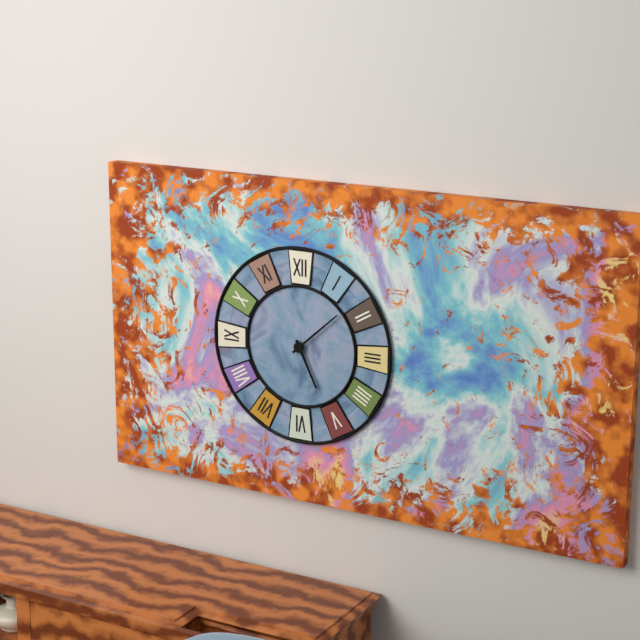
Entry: 5h08
